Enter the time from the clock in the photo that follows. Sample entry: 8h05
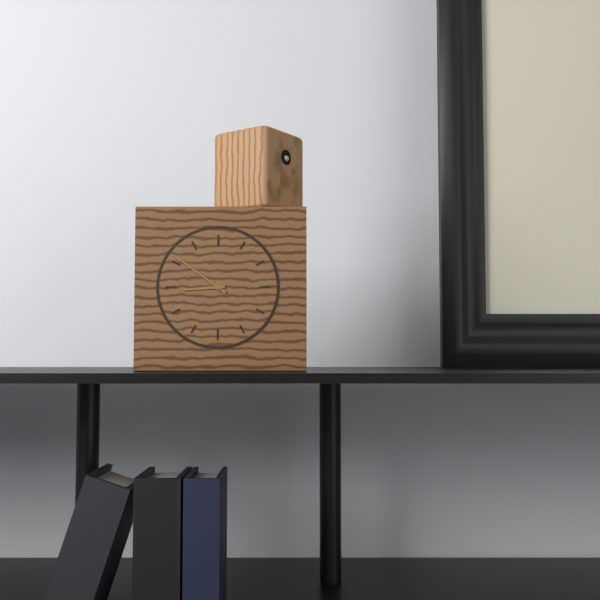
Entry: 8h51
